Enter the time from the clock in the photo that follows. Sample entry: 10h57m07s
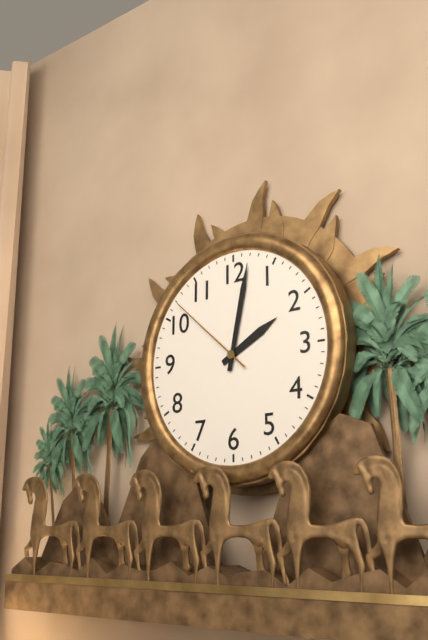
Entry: 2h02m52s
